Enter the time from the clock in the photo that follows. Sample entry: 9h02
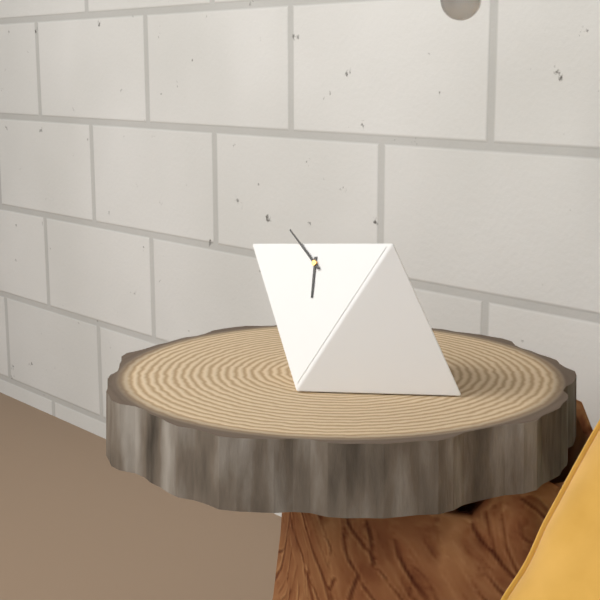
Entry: 5h52
